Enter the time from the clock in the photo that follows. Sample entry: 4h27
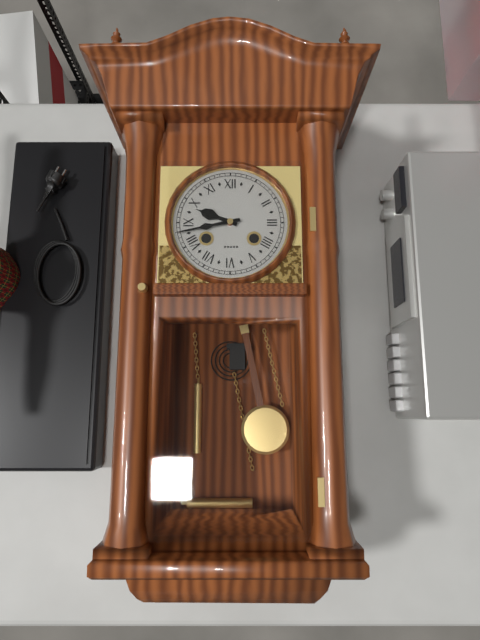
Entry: 9h43
